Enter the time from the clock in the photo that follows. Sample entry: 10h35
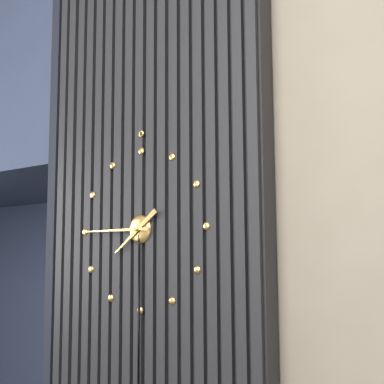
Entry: 7h45
